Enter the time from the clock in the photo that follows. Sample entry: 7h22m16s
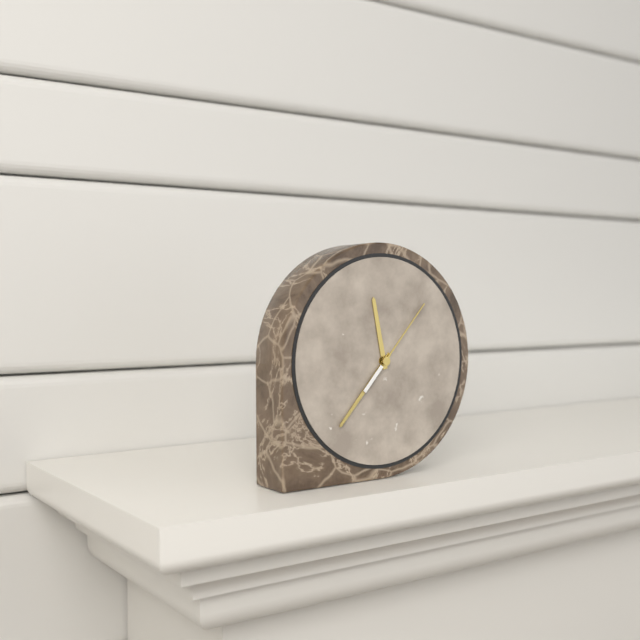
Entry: 11h37m07s
